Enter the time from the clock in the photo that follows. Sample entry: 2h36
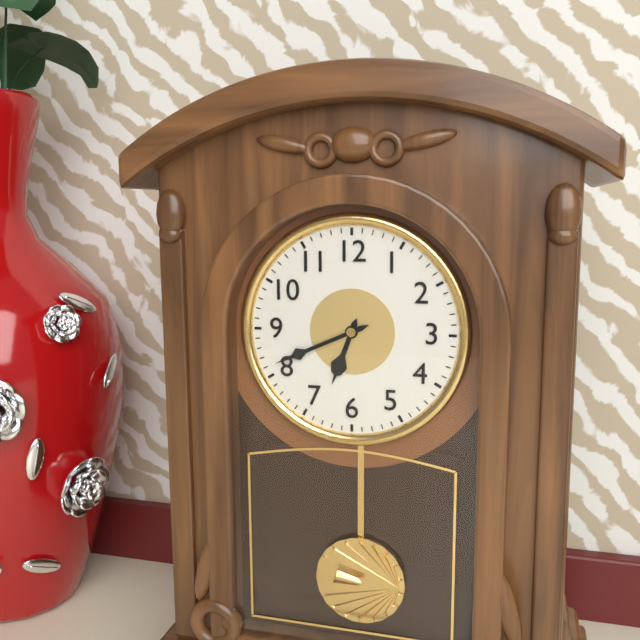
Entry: 6h41
